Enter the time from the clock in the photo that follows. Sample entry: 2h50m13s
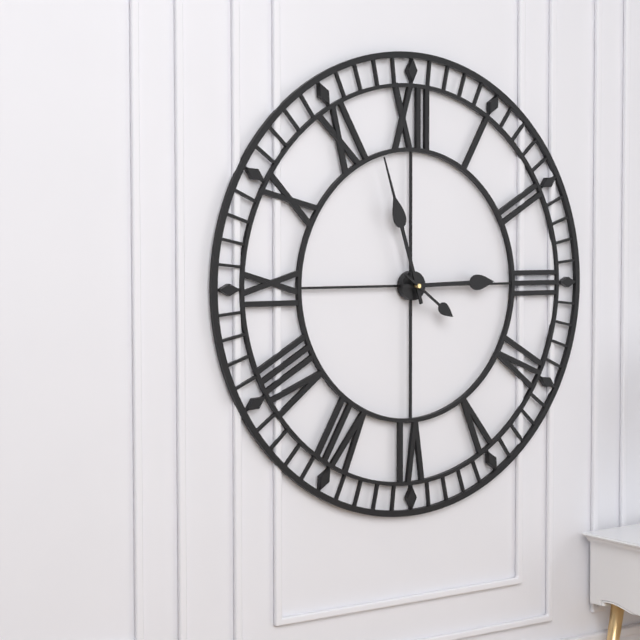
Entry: 2h57m21s
